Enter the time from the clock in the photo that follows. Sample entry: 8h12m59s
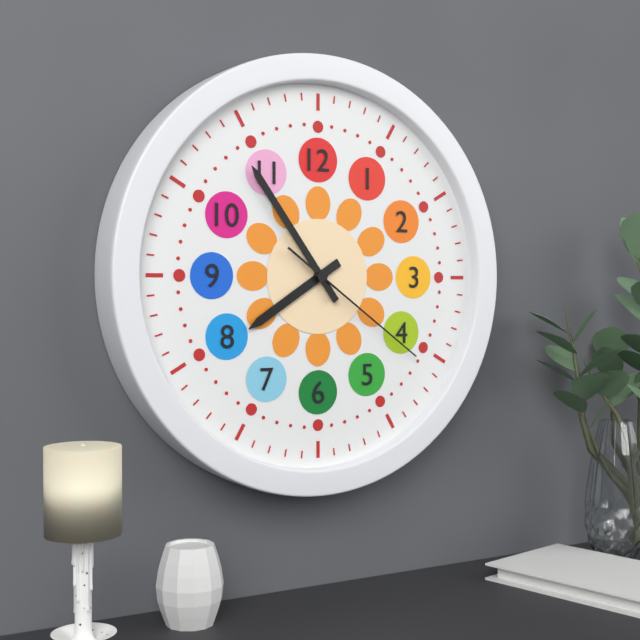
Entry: 7h54m21s
